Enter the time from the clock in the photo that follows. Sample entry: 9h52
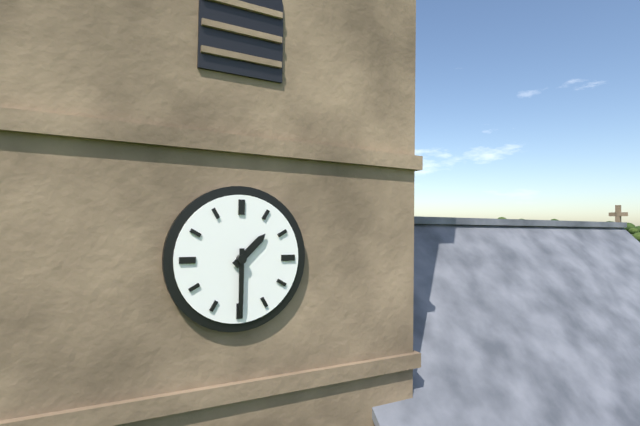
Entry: 1h30
